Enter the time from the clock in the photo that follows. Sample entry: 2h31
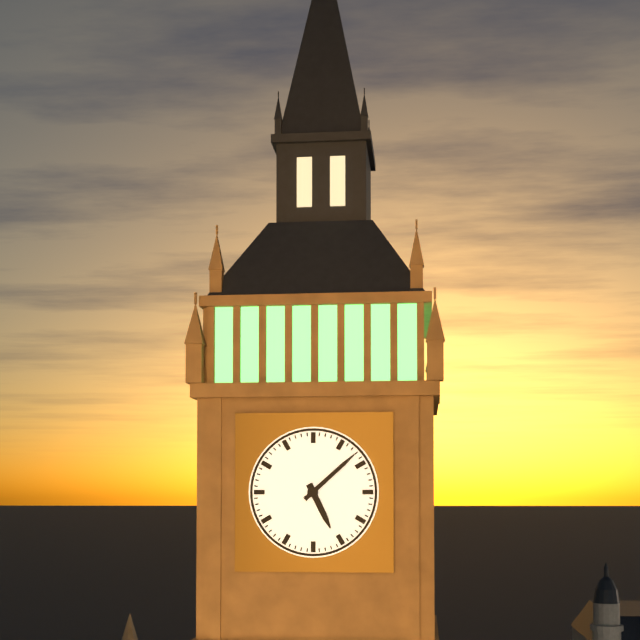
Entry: 5h08
